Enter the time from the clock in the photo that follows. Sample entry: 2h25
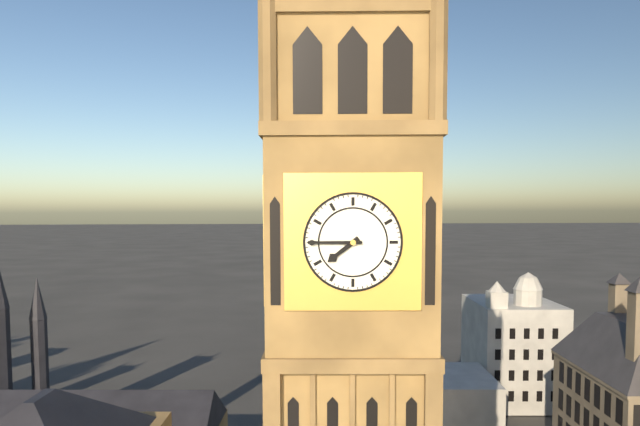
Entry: 7h45
